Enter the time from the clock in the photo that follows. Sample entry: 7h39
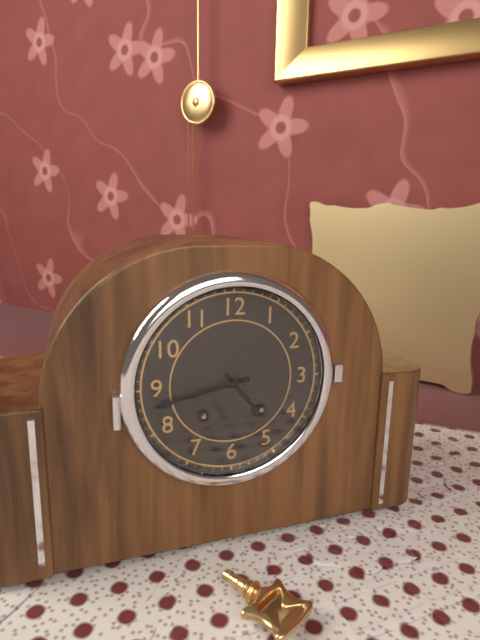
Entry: 4h43
